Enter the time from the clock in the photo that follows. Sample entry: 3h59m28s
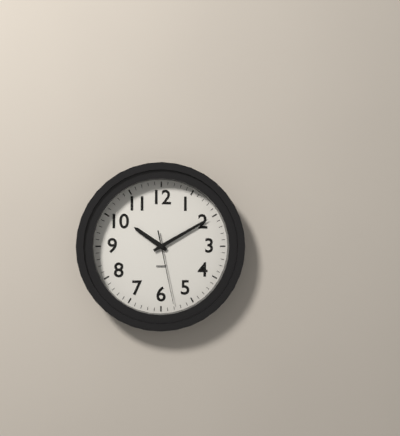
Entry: 10h10m28s
